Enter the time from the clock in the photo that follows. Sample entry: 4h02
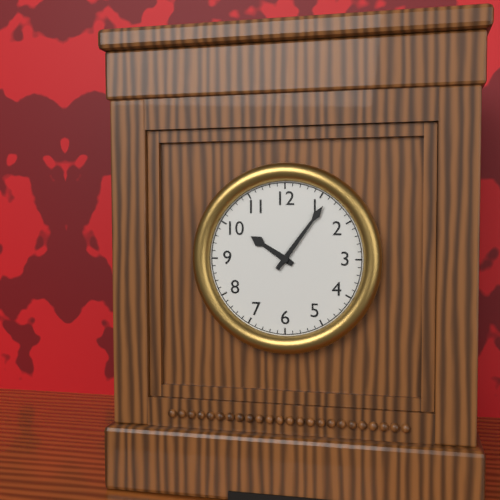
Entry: 10h06
